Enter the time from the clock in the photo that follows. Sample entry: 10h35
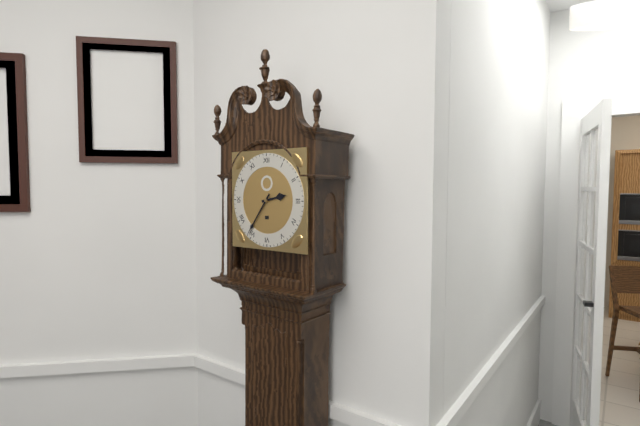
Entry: 2h36
